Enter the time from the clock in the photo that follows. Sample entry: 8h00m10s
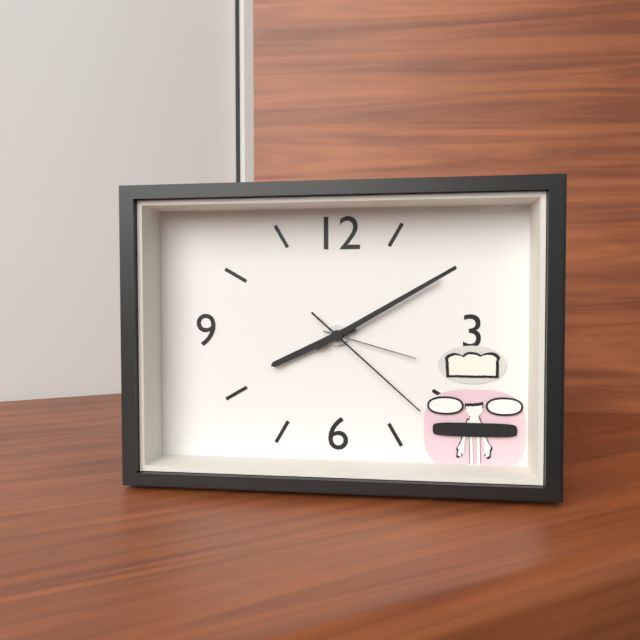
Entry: 8h10m22s
